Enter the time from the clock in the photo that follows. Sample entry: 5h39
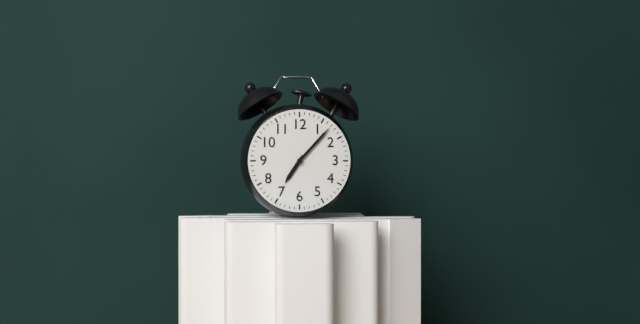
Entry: 7h07
